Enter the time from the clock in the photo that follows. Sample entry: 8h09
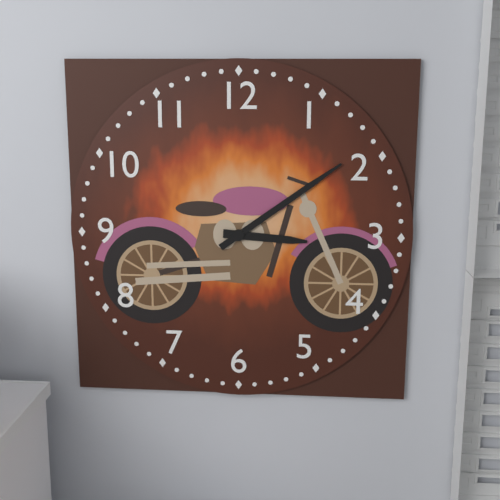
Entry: 3h09
